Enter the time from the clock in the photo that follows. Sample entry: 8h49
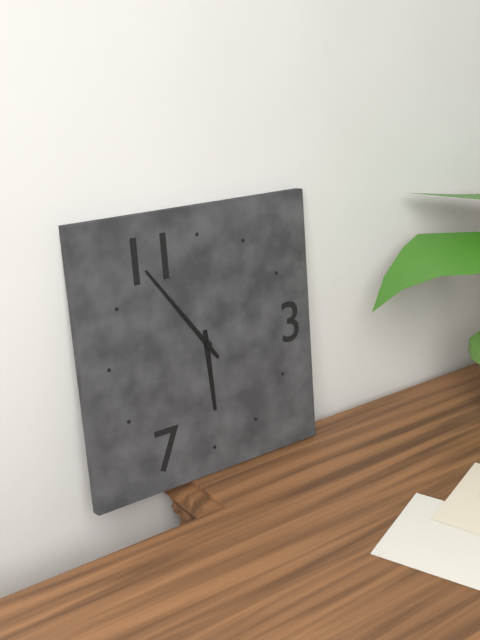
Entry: 5h54
